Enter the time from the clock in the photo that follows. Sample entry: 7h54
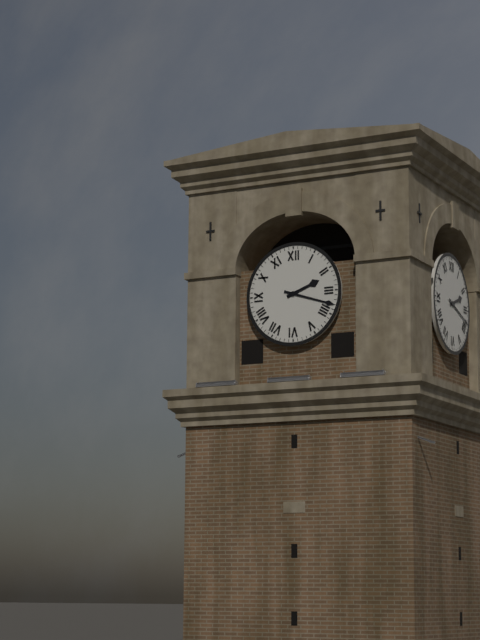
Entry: 2h18
